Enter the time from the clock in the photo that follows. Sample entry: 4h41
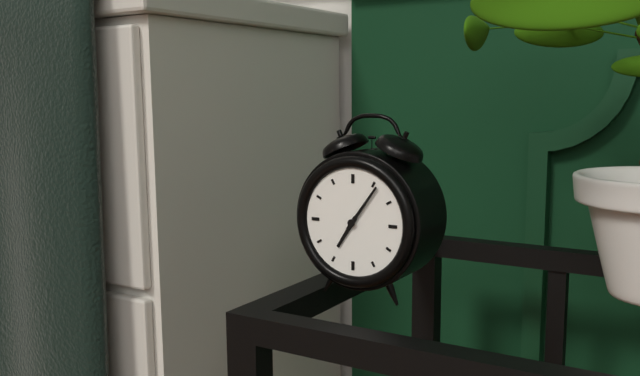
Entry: 7h06
